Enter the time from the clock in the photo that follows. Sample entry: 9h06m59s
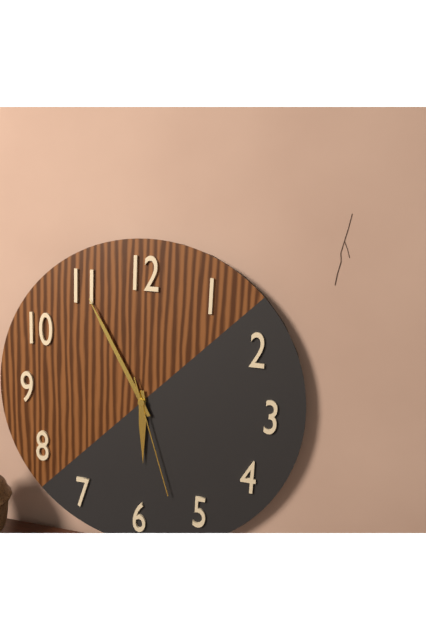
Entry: 5h55m27s
